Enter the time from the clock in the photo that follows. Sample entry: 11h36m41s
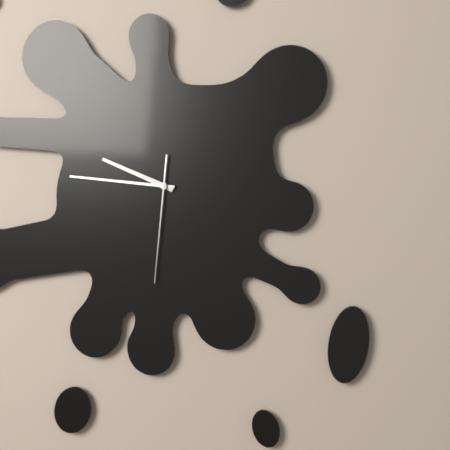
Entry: 9h46m31s
